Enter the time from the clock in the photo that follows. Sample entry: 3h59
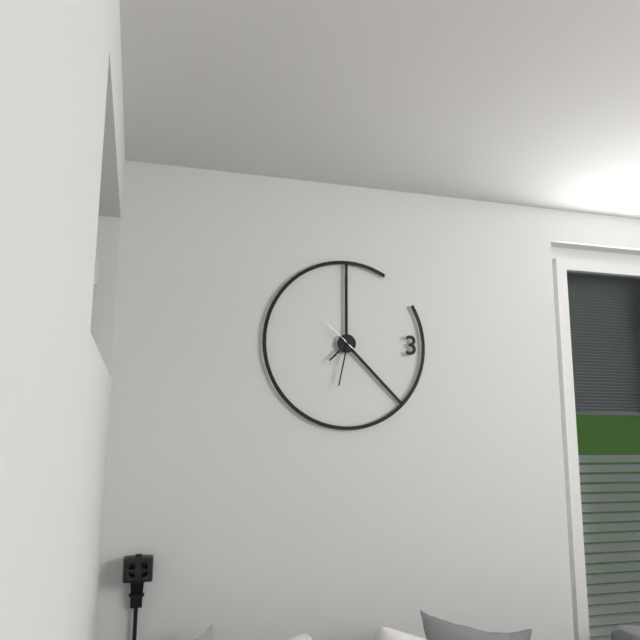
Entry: 7h32
